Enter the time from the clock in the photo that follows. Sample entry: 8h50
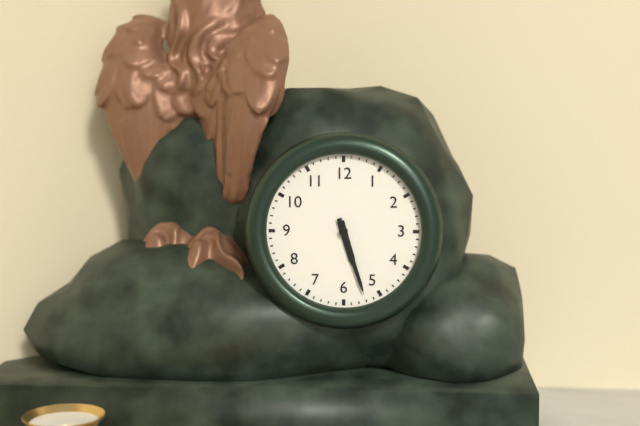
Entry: 5h27
